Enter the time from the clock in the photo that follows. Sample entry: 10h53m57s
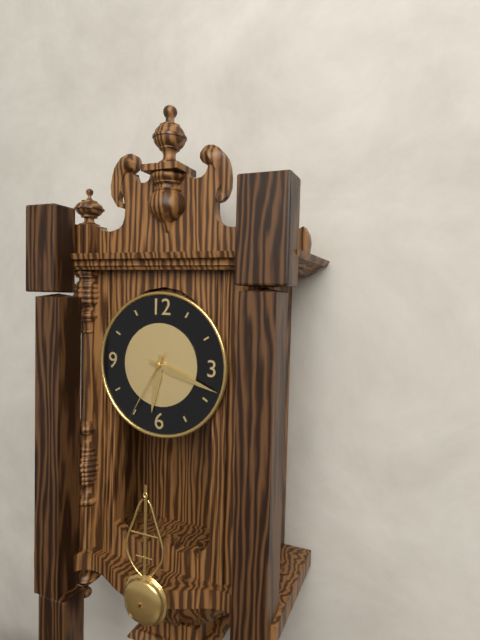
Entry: 6h18m35s
